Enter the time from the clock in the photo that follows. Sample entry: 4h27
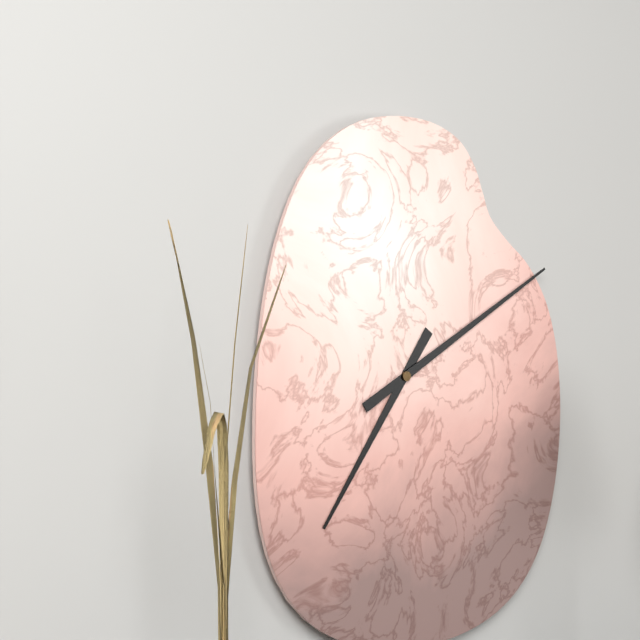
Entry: 7h10
